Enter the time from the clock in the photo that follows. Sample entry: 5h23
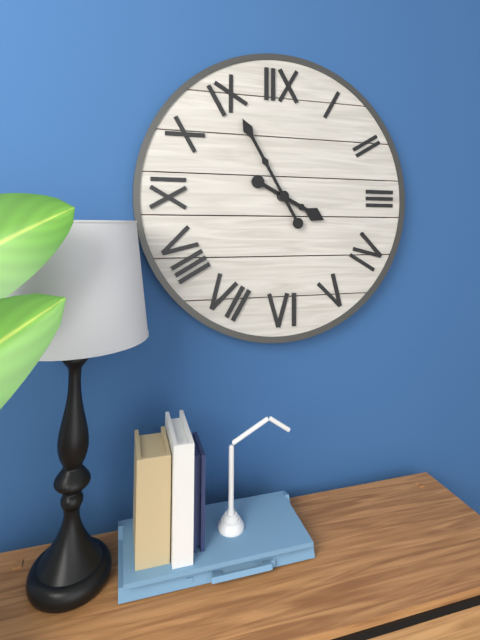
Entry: 3h55
